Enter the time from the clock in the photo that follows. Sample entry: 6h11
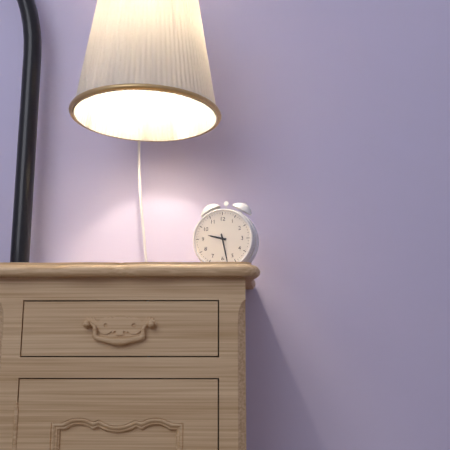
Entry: 9h28
